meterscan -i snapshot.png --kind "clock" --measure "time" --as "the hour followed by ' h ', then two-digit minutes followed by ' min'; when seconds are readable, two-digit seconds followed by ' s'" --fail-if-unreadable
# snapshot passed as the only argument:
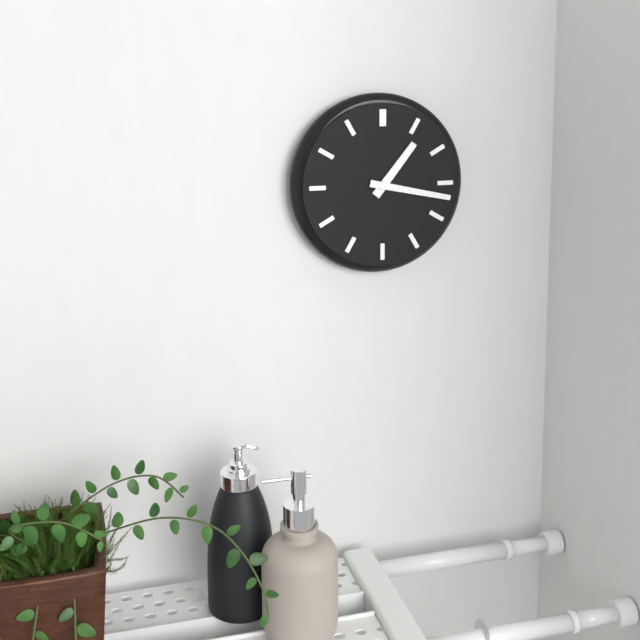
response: 1 h 17 min
